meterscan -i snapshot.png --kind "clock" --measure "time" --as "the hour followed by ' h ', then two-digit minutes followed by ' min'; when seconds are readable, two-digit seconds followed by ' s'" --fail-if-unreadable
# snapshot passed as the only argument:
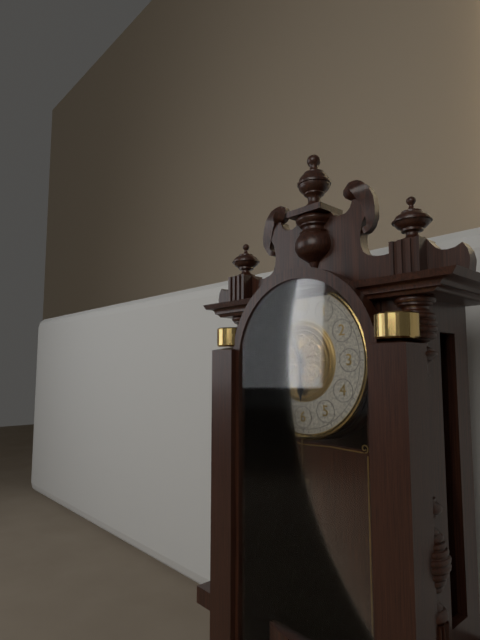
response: 5 h 57 min
